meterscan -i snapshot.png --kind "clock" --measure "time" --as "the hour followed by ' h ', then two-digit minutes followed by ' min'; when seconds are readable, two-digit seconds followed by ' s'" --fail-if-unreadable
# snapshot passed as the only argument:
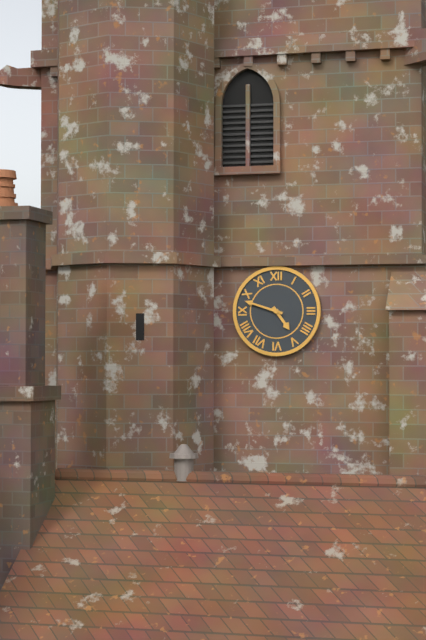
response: 4 h 48 min
